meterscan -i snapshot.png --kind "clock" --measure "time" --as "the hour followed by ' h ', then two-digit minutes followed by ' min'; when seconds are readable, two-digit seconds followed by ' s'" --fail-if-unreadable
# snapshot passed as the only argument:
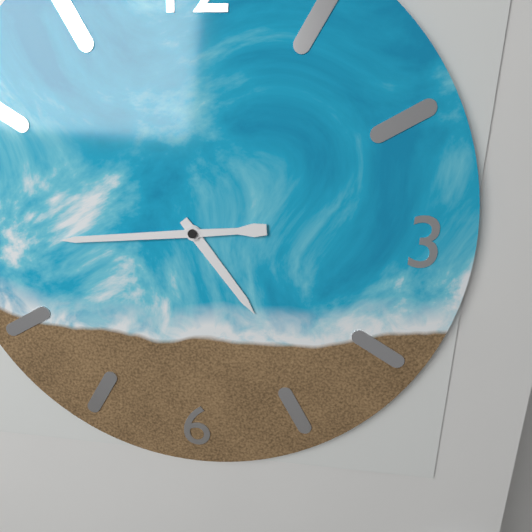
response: 4 h 44 min
